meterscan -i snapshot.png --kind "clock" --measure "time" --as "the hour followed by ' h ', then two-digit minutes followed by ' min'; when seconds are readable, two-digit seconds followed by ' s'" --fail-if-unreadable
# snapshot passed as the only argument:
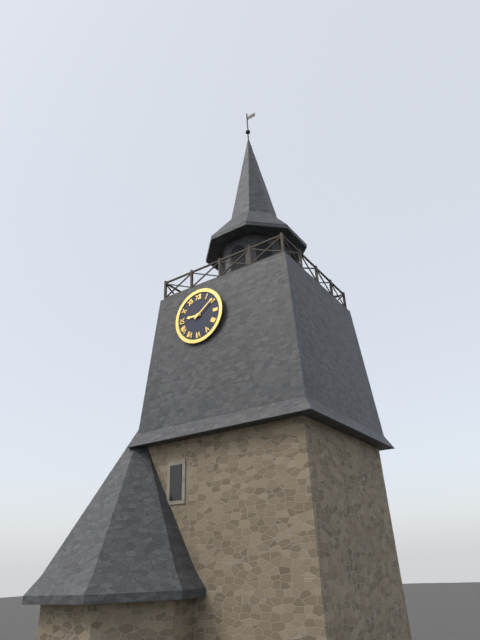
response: 9 h 09 min
